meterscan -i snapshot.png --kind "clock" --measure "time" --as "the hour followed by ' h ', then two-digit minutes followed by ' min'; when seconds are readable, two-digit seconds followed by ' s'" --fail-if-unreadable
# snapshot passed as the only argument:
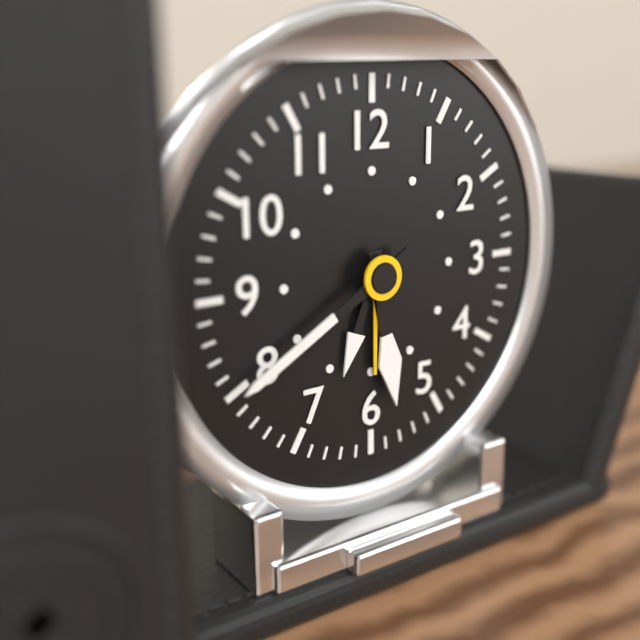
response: 5 h 40 min
